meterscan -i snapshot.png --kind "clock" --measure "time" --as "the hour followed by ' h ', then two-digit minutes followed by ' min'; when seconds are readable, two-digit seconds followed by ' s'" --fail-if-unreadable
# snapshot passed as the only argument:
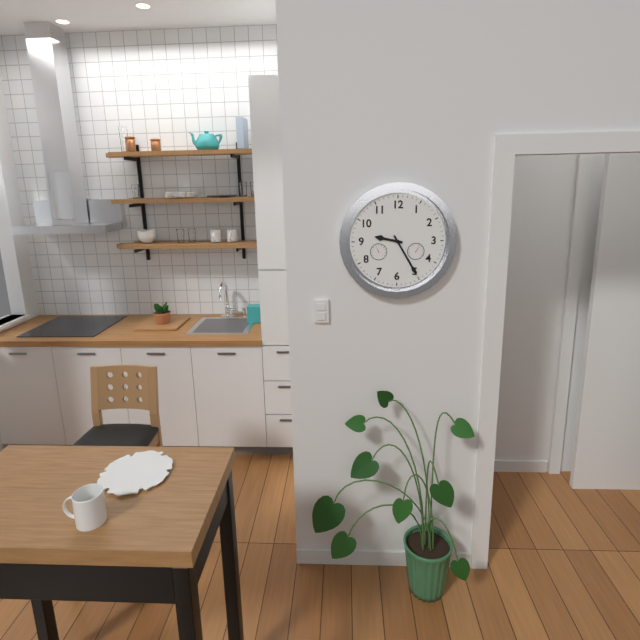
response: 9 h 25 min
